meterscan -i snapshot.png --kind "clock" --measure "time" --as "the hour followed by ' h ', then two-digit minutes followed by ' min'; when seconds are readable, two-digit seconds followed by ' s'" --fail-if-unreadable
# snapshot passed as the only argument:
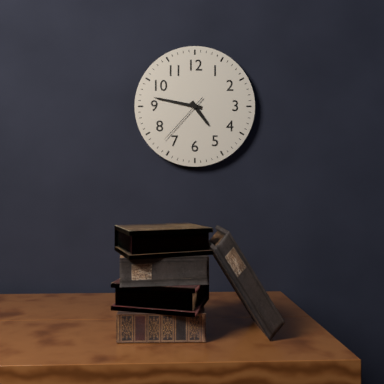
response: 4 h 47 min 37 s
